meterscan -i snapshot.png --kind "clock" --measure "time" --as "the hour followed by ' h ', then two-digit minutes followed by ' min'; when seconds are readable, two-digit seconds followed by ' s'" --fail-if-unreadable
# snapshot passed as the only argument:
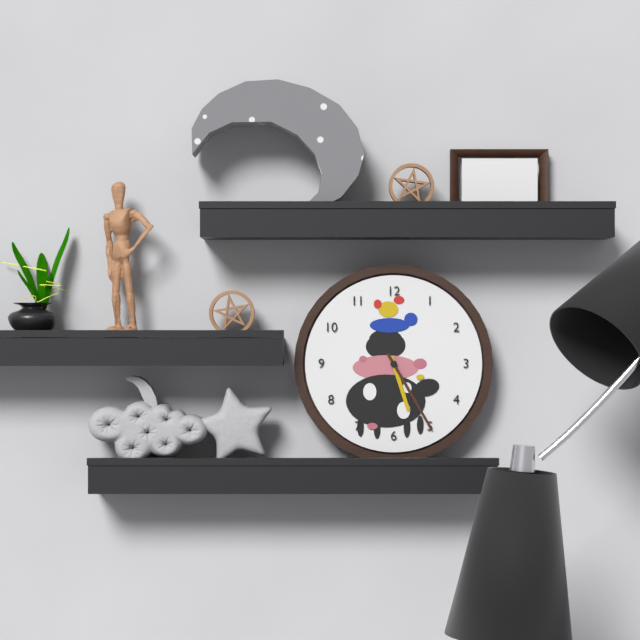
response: 5 h 25 min
